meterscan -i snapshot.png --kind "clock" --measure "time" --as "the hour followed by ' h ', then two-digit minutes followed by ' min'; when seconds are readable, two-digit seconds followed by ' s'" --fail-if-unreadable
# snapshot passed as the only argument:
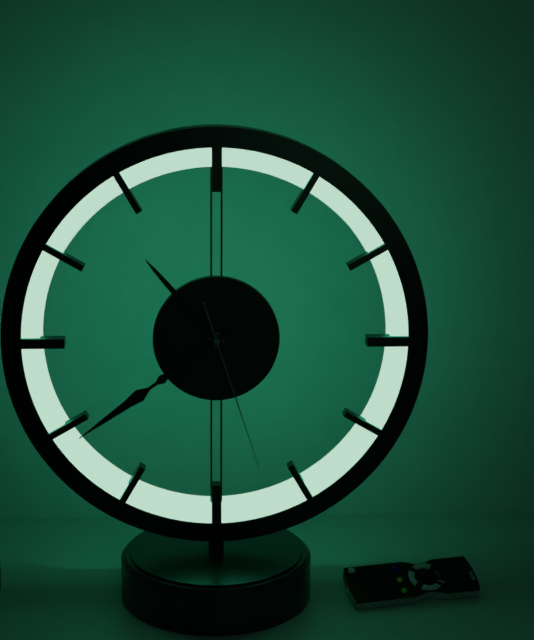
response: 10 h 39 min 27 s
